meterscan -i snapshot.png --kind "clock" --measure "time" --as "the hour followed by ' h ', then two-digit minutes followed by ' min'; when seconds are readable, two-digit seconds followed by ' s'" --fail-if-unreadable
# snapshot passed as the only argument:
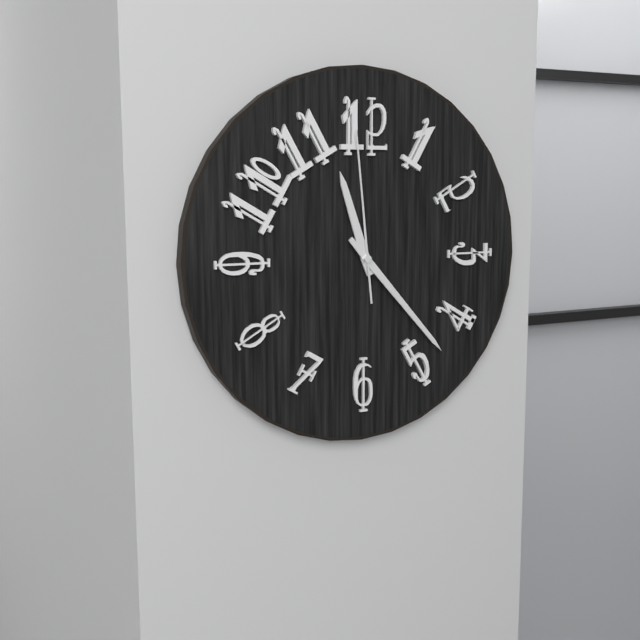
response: 11 h 23 min 59 s
